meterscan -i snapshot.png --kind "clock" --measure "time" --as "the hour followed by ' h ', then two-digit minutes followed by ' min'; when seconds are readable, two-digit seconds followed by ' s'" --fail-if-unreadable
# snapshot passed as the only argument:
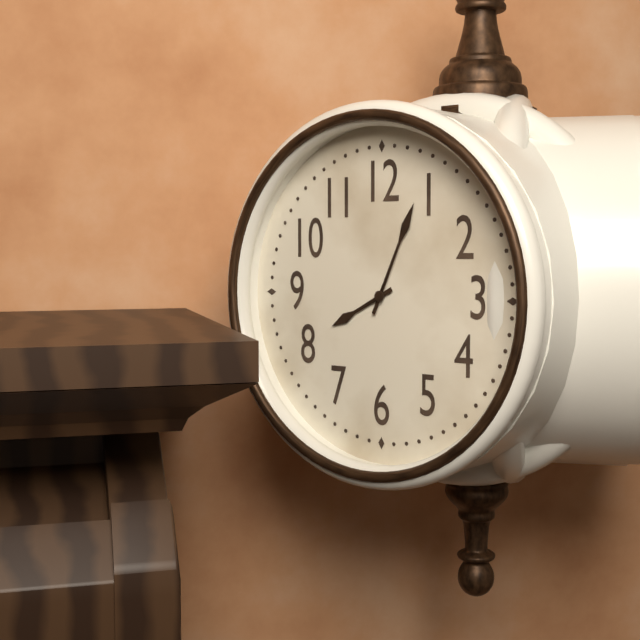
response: 8 h 04 min
